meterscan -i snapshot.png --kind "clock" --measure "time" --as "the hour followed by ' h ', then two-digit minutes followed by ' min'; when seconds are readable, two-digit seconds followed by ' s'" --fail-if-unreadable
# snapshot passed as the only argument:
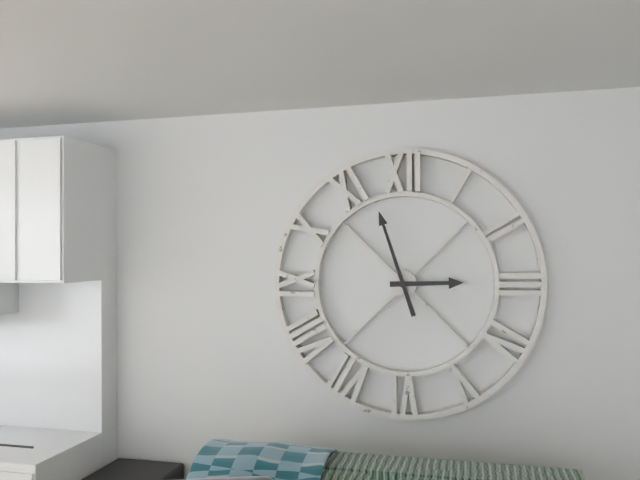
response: 2 h 57 min
